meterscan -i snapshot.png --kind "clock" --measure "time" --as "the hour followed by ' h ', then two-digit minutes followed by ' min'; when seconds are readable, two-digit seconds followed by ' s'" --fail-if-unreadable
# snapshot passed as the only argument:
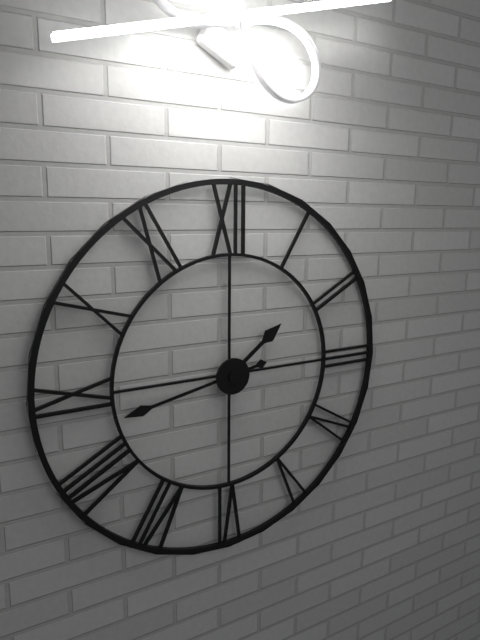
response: 1 h 43 min
